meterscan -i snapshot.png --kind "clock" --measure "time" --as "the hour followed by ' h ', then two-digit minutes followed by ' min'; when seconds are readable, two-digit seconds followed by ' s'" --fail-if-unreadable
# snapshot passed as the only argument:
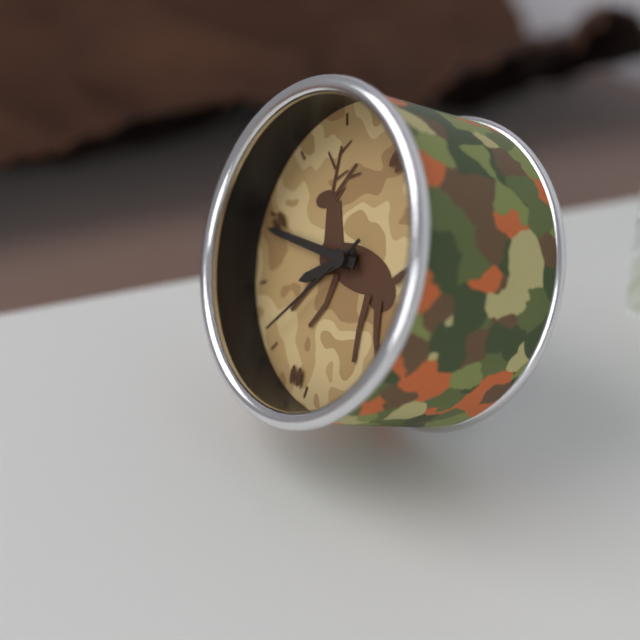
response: 7 h 44 min 36 s
